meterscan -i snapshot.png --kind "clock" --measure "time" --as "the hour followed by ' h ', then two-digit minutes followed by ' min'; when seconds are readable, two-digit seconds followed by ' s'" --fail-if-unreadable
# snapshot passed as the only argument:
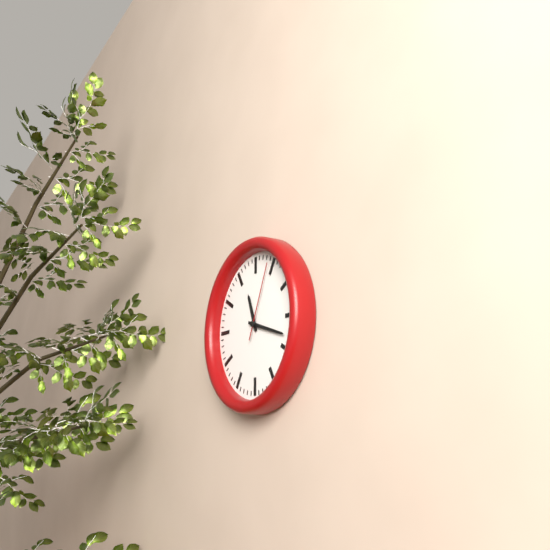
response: 11 h 18 min 04 s
